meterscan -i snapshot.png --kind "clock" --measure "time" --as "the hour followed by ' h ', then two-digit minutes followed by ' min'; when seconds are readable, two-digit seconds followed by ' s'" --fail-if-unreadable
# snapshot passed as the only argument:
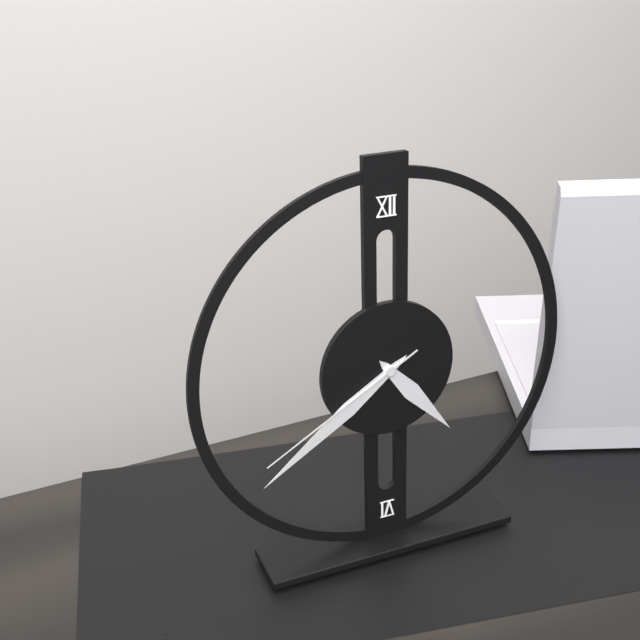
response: 4 h 39 min 40 s
